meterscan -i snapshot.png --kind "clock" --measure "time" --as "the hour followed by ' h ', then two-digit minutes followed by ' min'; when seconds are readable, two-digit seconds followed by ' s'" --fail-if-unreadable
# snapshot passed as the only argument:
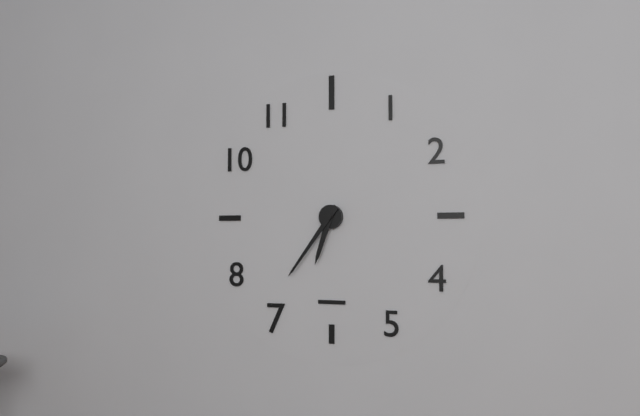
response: 6 h 36 min
